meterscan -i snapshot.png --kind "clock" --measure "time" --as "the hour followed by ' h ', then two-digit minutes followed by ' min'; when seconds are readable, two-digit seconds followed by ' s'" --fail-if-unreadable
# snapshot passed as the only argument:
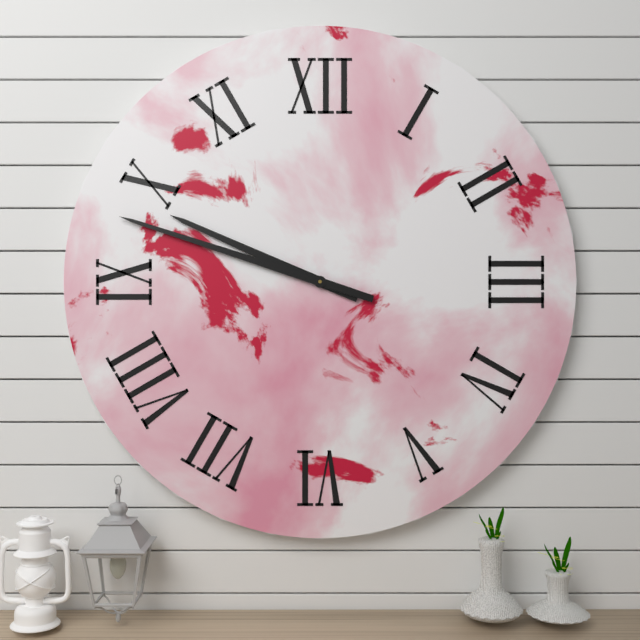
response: 9 h 48 min
